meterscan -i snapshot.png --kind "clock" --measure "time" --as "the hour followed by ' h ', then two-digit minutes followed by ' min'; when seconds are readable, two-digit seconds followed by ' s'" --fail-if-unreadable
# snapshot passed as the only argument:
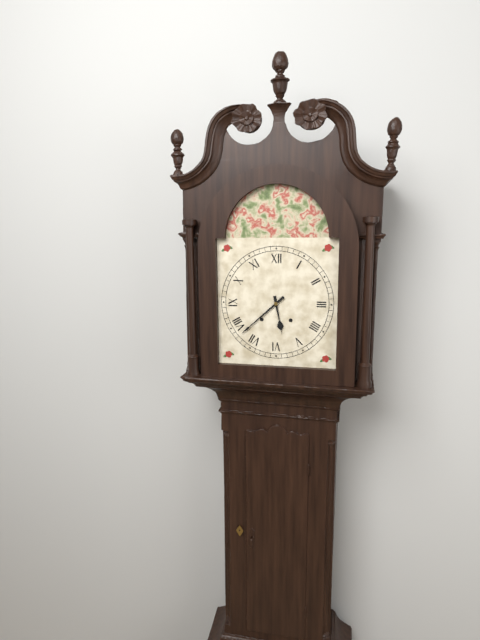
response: 5 h 38 min
